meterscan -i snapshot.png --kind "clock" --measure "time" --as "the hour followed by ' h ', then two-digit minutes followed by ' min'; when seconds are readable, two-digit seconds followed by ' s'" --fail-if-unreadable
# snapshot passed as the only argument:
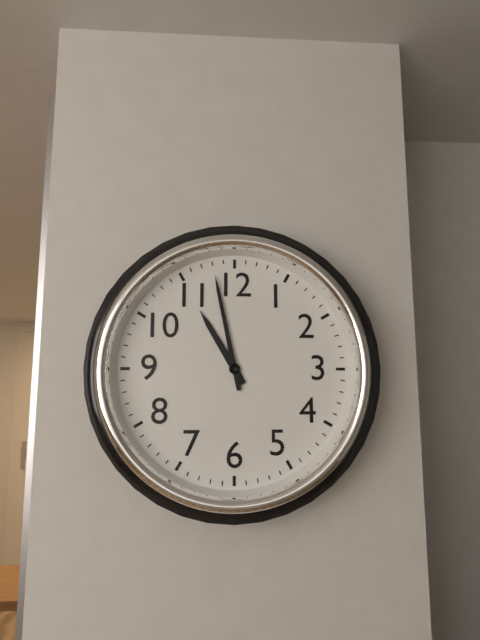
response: 10 h 58 min
